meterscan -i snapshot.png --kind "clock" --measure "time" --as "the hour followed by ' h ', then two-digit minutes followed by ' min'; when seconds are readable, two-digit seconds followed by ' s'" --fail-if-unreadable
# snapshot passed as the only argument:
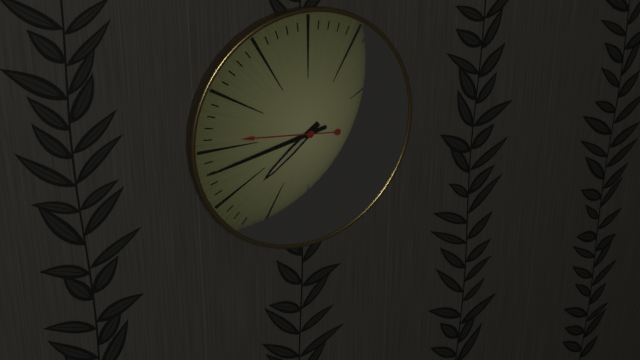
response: 7 h 43 min 46 s
